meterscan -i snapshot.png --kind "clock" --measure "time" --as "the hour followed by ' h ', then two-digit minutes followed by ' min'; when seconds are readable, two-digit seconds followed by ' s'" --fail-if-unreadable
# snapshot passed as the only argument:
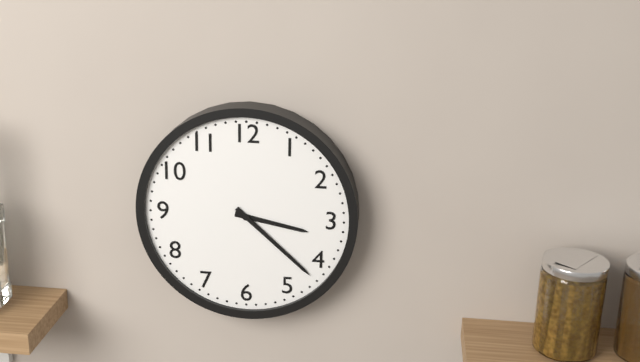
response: 3 h 22 min
